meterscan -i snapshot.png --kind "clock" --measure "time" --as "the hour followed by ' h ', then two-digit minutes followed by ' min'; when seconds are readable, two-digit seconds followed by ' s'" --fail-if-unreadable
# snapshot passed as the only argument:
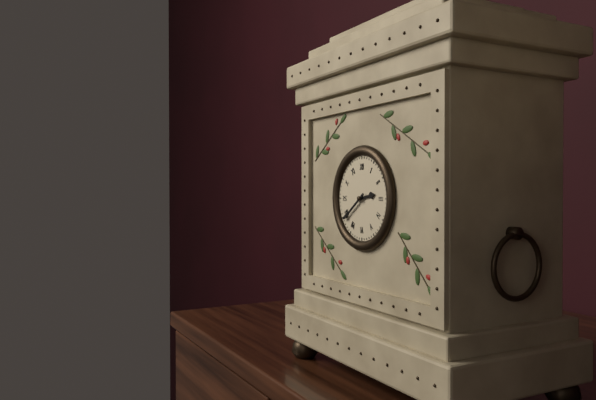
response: 2 h 39 min
